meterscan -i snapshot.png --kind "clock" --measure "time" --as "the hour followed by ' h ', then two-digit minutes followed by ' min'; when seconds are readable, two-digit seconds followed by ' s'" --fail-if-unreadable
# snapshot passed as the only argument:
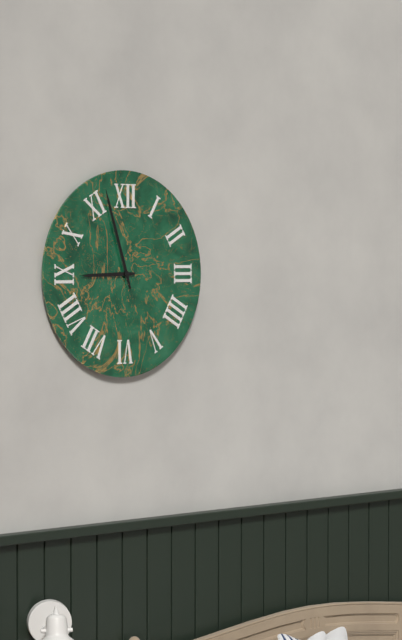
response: 8 h 57 min
